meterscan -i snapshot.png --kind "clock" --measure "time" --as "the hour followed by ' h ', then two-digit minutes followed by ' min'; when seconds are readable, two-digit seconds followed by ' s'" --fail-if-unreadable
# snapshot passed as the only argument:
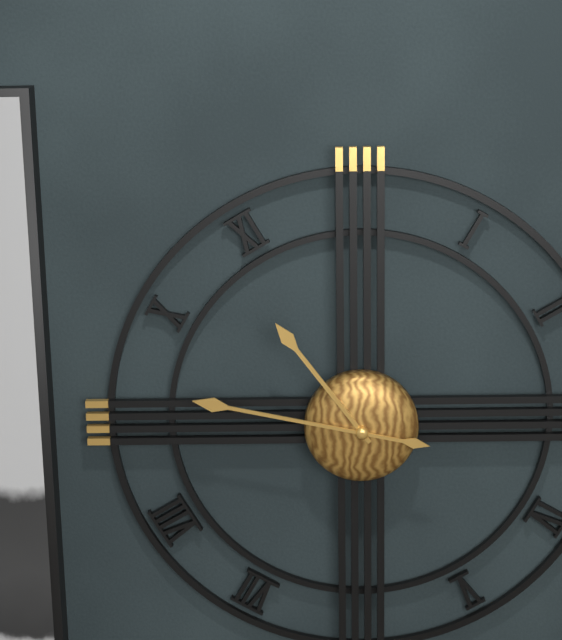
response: 10 h 47 min
